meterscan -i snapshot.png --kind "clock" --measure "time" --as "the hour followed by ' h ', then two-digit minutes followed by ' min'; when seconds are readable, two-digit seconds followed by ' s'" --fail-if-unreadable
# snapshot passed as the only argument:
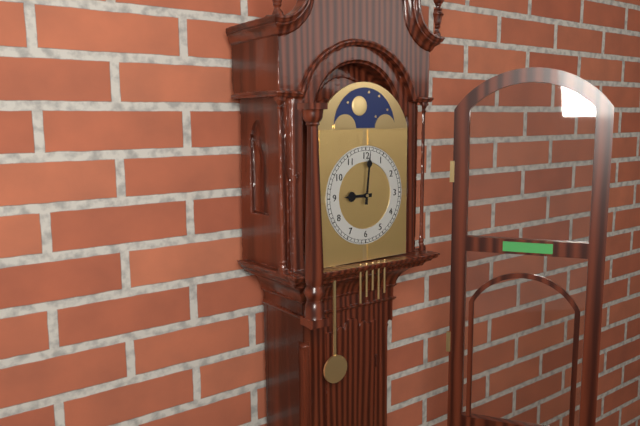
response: 9 h 01 min
